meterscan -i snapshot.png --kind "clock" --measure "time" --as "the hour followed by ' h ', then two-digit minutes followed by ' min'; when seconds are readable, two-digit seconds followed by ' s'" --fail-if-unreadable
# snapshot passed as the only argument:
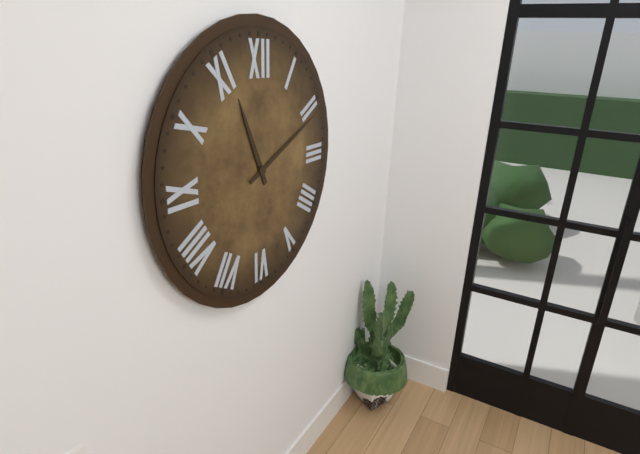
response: 11 h 11 min
